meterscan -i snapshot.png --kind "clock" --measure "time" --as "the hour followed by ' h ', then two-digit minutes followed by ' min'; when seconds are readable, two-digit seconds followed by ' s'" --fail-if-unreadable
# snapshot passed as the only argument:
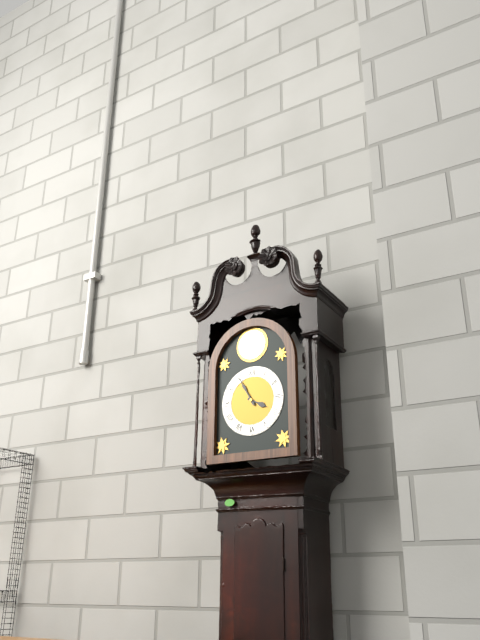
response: 3 h 55 min
